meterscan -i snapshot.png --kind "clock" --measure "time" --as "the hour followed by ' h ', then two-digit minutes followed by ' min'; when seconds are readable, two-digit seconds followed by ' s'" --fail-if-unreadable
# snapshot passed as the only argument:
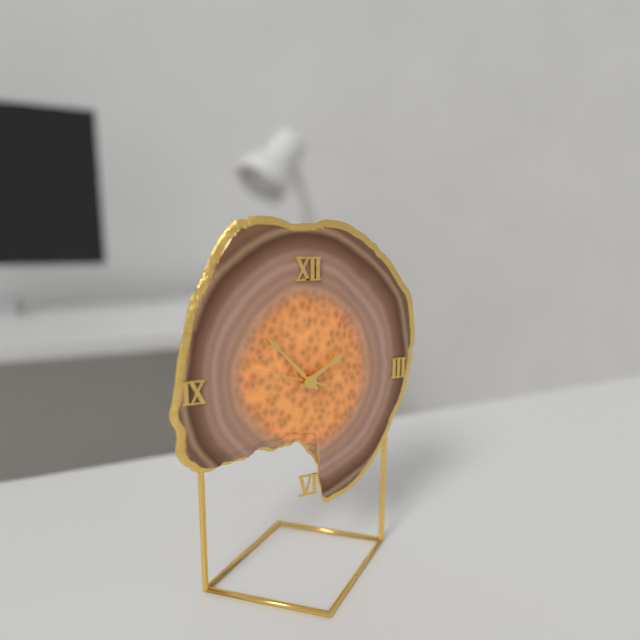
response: 1 h 53 min 48 s
